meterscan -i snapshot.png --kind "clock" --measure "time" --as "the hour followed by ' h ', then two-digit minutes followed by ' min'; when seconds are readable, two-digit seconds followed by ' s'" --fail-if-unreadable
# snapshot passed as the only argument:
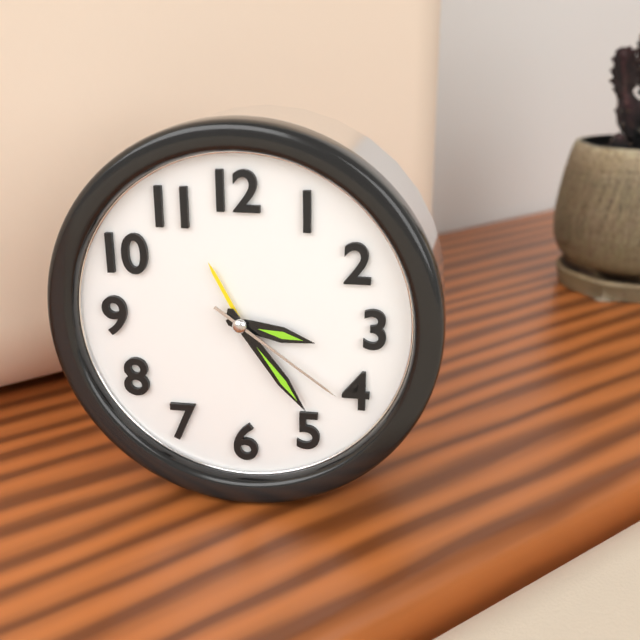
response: 3 h 24 min 21 s
